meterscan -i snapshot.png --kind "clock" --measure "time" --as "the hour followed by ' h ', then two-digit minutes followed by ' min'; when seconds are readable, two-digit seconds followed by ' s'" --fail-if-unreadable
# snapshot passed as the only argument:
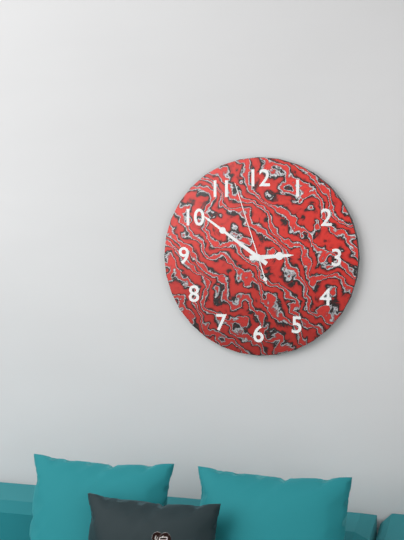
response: 2 h 51 min 57 s
